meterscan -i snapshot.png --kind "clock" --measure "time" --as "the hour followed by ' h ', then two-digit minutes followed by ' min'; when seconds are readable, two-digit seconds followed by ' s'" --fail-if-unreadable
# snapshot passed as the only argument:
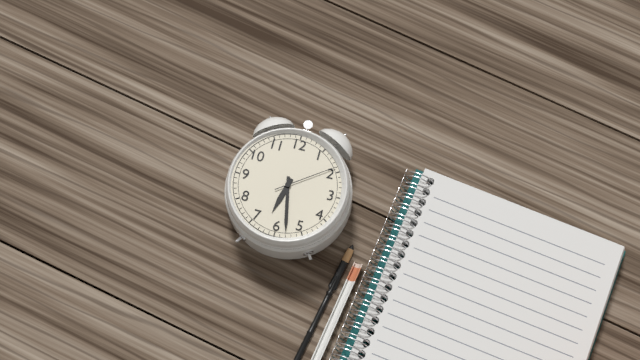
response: 6 h 28 min 09 s
